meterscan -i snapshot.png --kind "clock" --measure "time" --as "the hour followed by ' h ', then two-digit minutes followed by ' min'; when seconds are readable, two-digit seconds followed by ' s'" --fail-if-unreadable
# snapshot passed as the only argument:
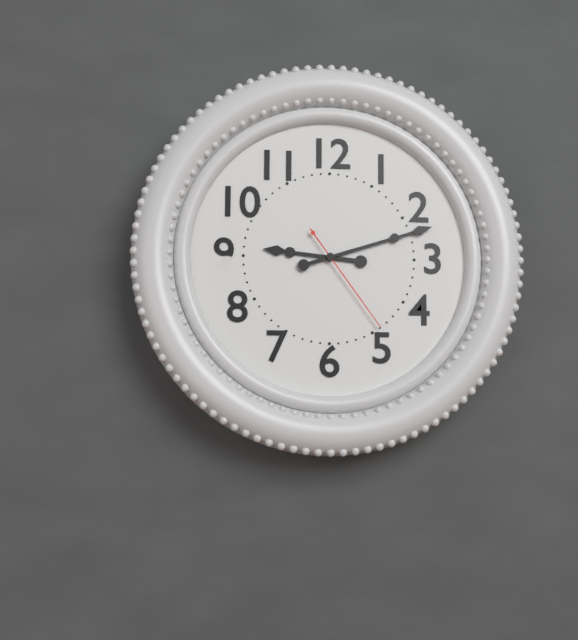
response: 9 h 12 min 24 s
